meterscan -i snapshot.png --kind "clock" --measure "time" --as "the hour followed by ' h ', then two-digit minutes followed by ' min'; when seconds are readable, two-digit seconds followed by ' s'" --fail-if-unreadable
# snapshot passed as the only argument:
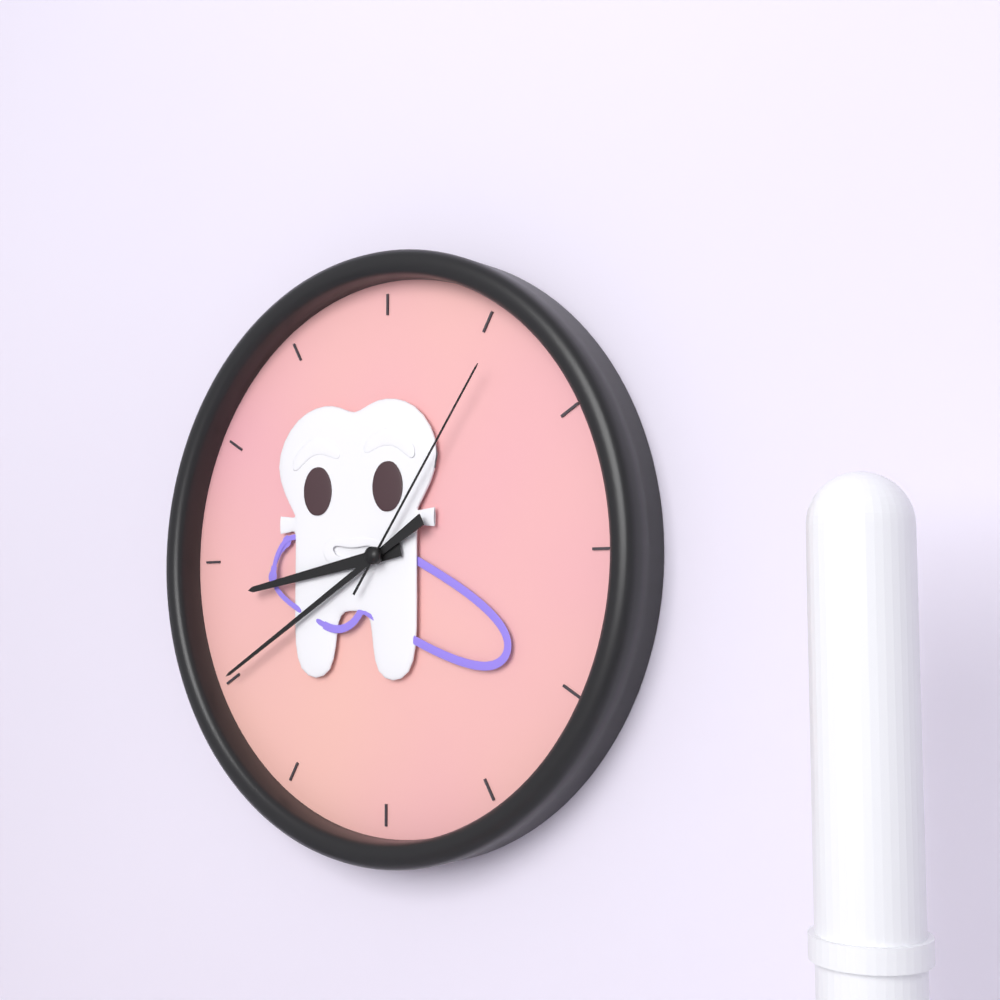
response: 8 h 40 min 06 s
